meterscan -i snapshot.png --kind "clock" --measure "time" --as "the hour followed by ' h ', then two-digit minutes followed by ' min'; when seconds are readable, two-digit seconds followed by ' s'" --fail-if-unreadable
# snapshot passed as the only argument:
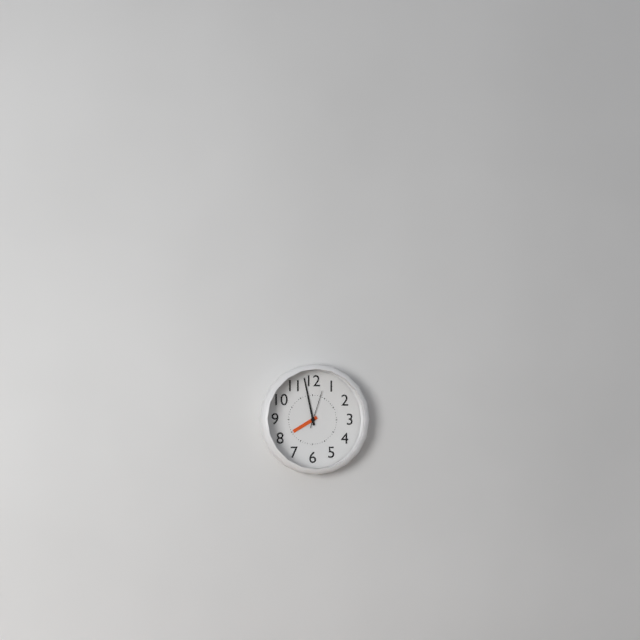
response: 7 h 58 min
